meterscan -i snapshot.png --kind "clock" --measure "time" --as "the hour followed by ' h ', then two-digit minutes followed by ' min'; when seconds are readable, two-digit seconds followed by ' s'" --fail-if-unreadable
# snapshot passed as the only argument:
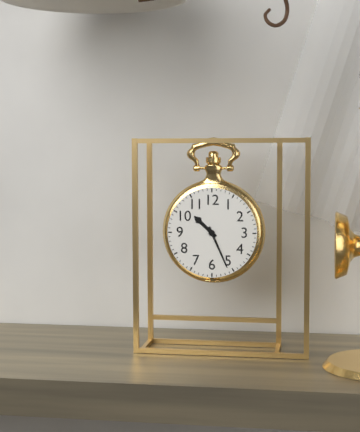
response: 10 h 26 min
